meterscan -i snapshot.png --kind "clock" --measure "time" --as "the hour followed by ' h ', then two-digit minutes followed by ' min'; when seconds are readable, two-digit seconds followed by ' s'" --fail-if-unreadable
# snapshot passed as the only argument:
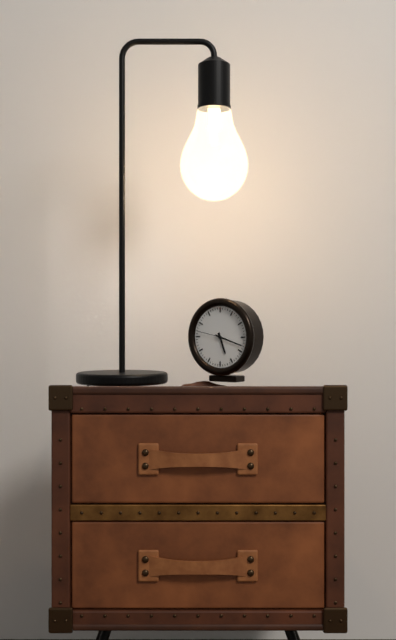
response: 5 h 18 min
